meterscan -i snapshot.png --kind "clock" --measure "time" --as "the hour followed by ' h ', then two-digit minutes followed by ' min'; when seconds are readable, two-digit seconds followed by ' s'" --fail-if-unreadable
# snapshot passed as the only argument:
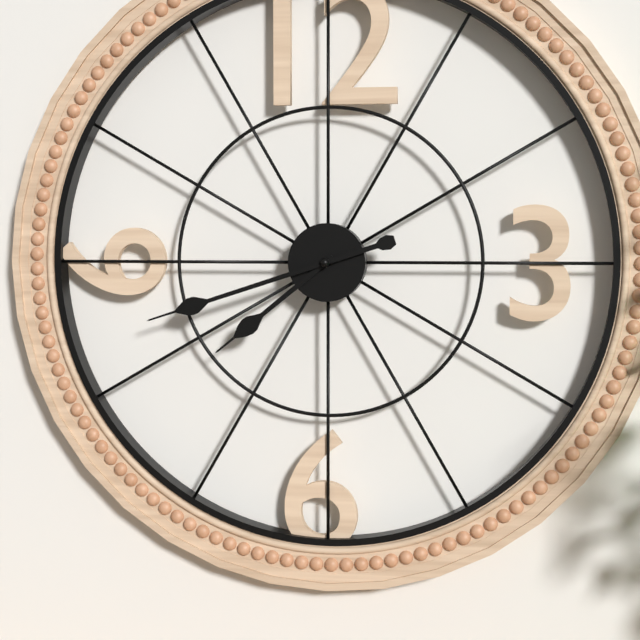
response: 7 h 42 min
